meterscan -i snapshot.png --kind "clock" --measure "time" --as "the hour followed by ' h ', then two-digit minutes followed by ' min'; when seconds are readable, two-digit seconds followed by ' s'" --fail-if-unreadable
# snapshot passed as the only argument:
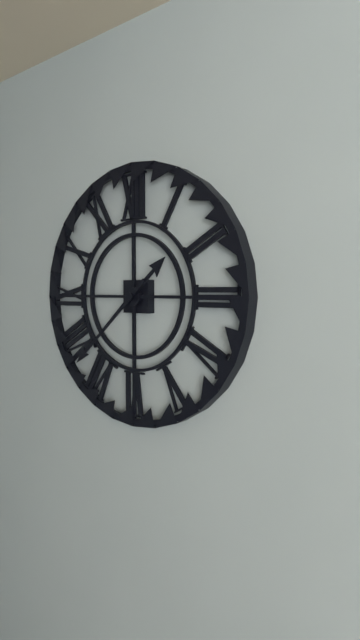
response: 1 h 38 min
